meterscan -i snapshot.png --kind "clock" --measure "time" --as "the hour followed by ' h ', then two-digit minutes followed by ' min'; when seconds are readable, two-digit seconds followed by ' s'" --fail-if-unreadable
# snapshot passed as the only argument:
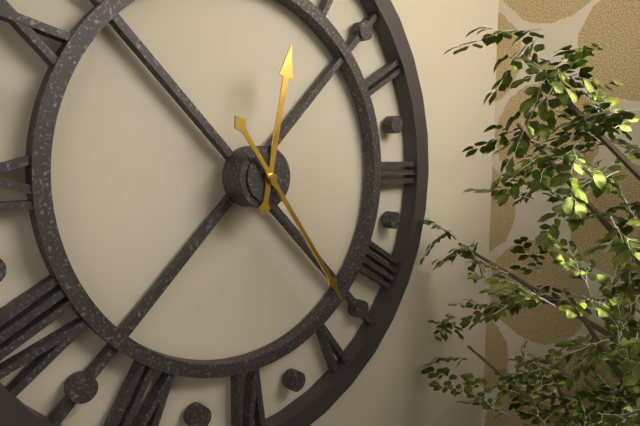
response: 12 h 24 min
